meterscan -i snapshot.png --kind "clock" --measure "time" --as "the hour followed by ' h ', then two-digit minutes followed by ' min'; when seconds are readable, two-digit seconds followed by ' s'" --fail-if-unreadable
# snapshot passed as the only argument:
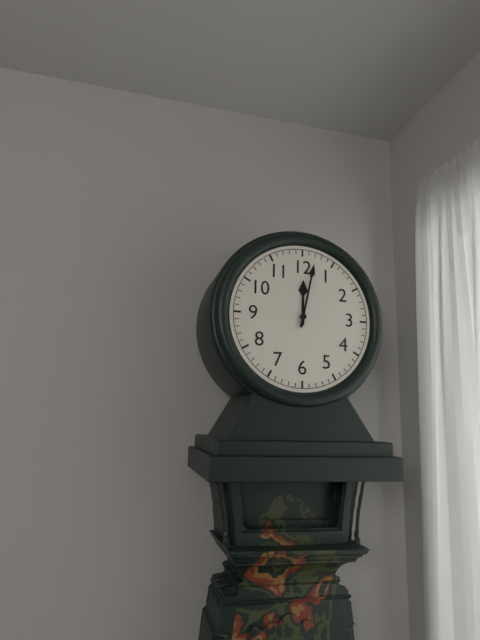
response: 12 h 02 min
